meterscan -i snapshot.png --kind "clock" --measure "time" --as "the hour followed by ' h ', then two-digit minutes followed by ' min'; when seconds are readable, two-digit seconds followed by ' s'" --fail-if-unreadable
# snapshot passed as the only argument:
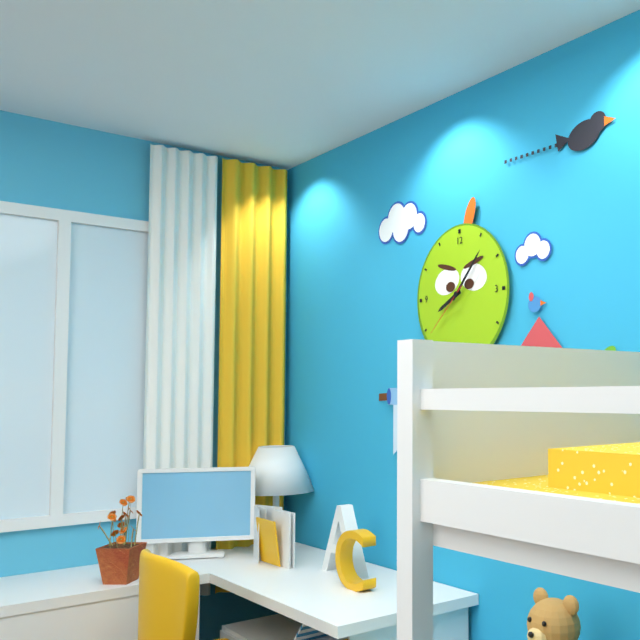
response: 8 h 07 min 38 s
